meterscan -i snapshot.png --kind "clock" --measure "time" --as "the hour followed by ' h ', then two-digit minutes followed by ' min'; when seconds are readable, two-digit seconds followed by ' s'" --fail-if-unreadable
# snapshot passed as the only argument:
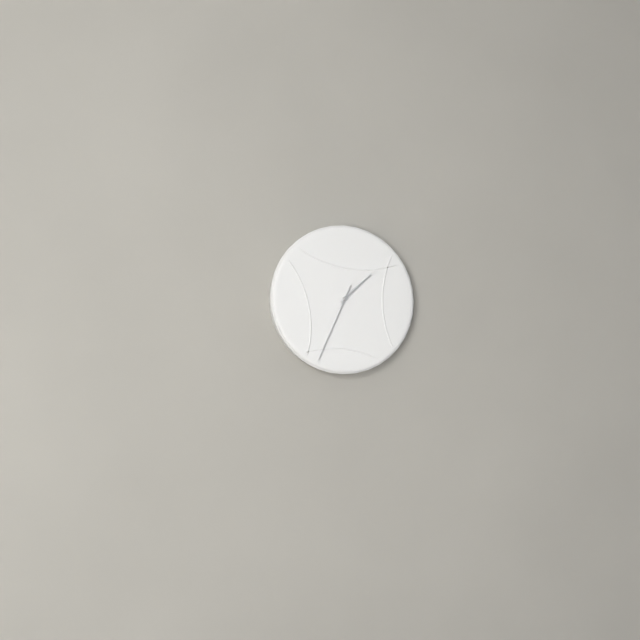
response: 1 h 34 min
